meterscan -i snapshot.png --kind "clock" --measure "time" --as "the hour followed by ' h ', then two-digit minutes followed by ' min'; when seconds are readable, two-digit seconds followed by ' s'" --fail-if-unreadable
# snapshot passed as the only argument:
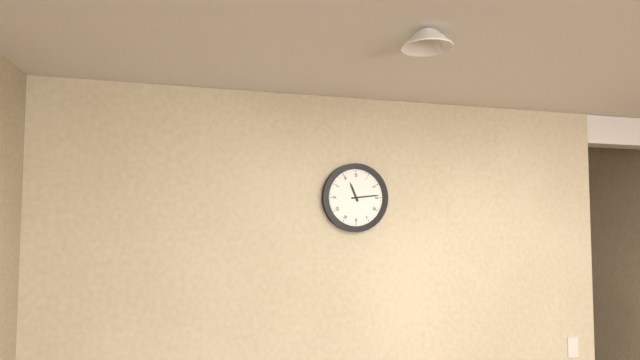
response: 11 h 14 min
